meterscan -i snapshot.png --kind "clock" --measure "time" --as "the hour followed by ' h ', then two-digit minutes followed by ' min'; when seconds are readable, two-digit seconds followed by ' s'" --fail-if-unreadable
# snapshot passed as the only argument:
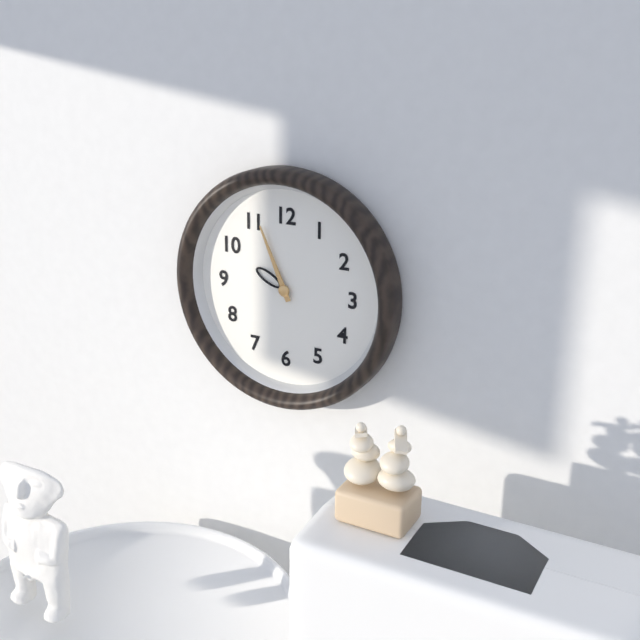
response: 9 h 56 min
